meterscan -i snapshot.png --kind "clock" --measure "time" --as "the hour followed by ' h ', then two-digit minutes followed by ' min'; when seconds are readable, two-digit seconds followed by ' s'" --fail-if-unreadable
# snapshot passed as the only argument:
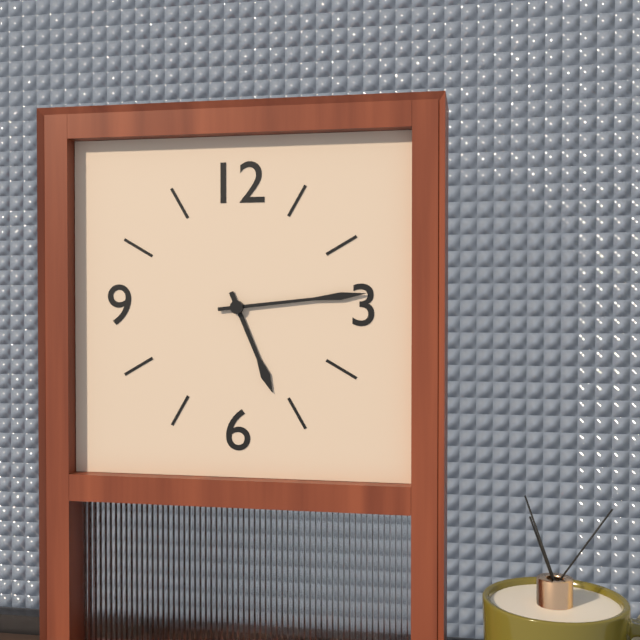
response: 5 h 14 min
